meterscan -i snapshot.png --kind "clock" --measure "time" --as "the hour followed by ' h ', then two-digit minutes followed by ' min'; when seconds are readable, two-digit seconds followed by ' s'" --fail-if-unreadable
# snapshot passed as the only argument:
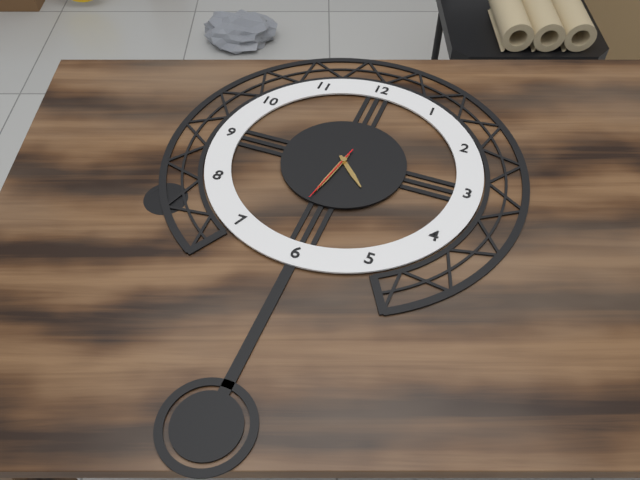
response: 4 h 32 min 32 s
